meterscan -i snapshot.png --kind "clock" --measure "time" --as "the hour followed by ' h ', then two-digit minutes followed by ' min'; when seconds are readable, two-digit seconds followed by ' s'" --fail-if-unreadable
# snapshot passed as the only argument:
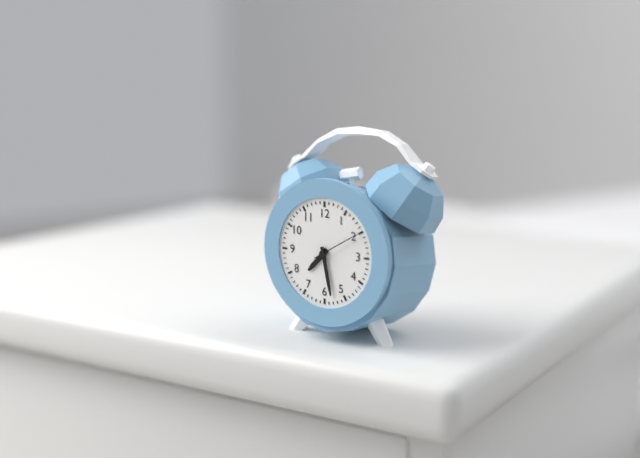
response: 7 h 28 min
